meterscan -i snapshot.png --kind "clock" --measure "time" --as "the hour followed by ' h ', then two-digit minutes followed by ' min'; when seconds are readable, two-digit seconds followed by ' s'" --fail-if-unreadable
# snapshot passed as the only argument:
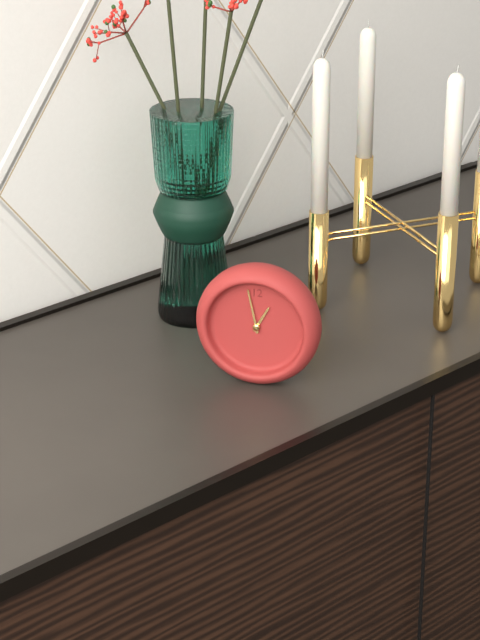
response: 12 h 58 min
